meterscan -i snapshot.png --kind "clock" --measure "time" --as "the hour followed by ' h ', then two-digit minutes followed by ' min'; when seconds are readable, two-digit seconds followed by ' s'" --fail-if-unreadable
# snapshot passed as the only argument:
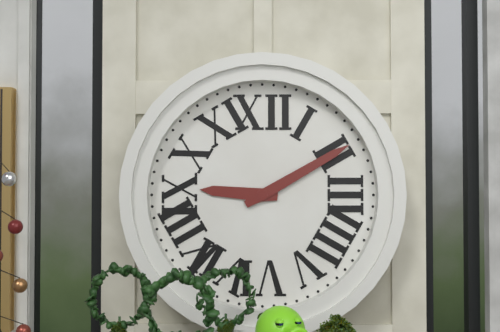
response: 9 h 10 min
